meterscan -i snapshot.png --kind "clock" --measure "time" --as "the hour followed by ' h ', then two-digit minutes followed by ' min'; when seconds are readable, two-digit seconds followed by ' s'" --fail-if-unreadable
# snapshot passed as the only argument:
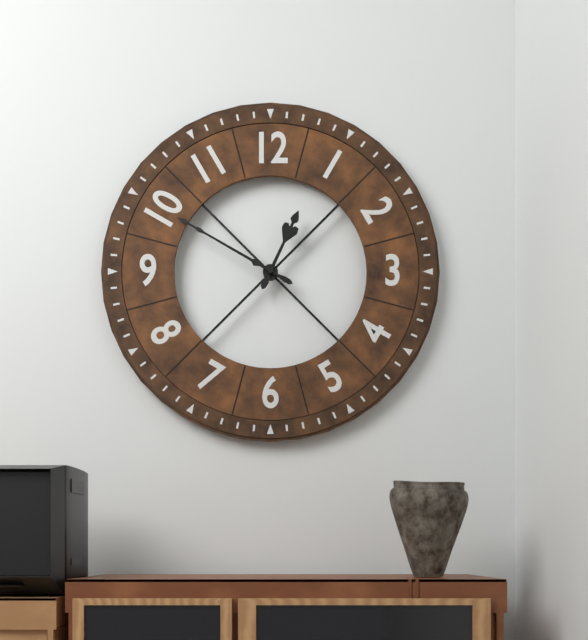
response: 12 h 50 min
